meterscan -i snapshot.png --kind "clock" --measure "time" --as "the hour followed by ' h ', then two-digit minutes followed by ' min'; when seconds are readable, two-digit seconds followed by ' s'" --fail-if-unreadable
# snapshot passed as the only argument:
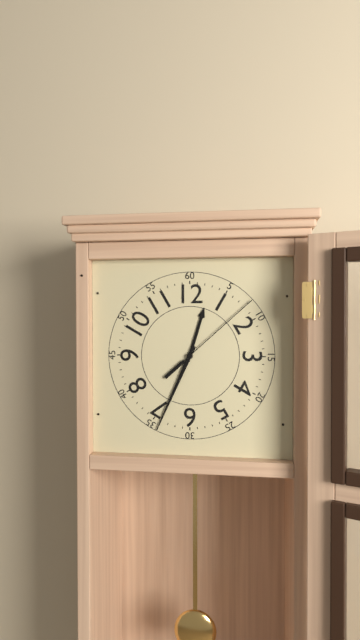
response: 12 h 34 min 08 s
